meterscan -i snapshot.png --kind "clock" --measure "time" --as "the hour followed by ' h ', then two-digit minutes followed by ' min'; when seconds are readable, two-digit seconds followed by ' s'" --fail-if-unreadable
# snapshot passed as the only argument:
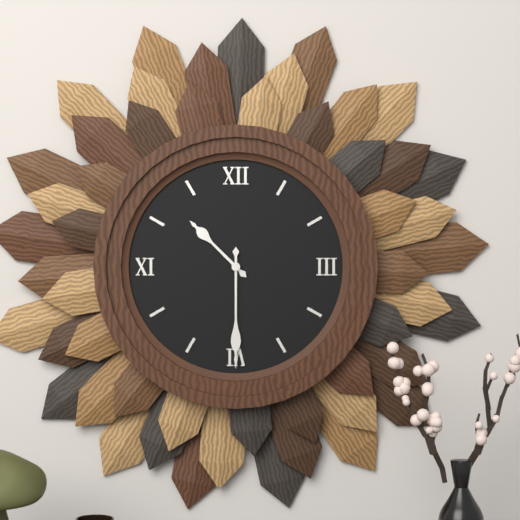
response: 10 h 30 min
